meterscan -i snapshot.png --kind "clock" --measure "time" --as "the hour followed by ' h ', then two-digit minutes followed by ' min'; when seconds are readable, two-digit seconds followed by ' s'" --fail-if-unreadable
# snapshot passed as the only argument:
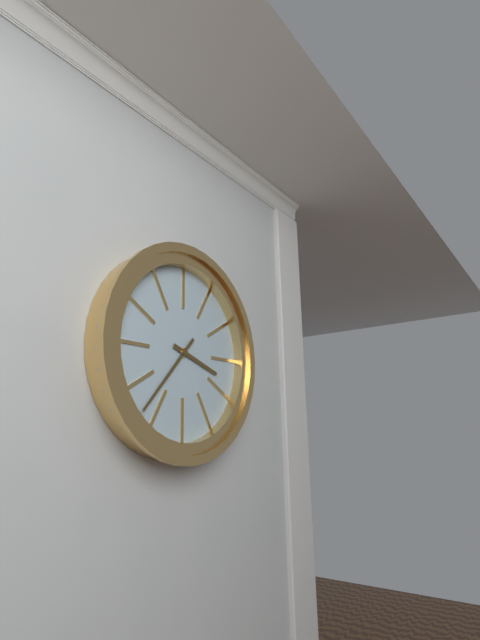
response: 3 h 37 min
